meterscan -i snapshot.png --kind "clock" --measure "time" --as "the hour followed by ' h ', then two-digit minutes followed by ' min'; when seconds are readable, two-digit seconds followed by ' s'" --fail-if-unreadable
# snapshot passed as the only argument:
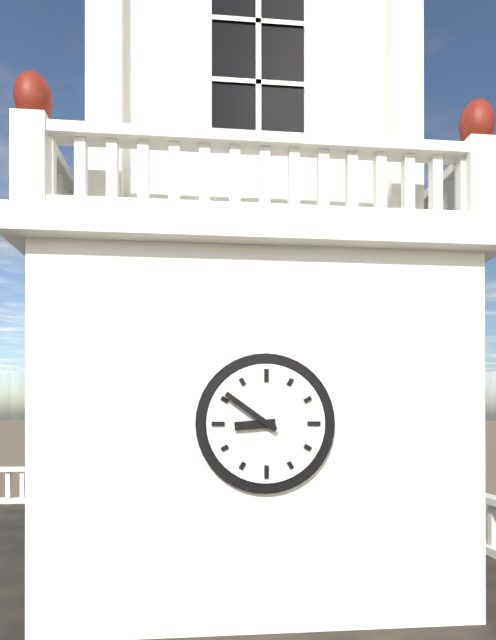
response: 8 h 51 min
